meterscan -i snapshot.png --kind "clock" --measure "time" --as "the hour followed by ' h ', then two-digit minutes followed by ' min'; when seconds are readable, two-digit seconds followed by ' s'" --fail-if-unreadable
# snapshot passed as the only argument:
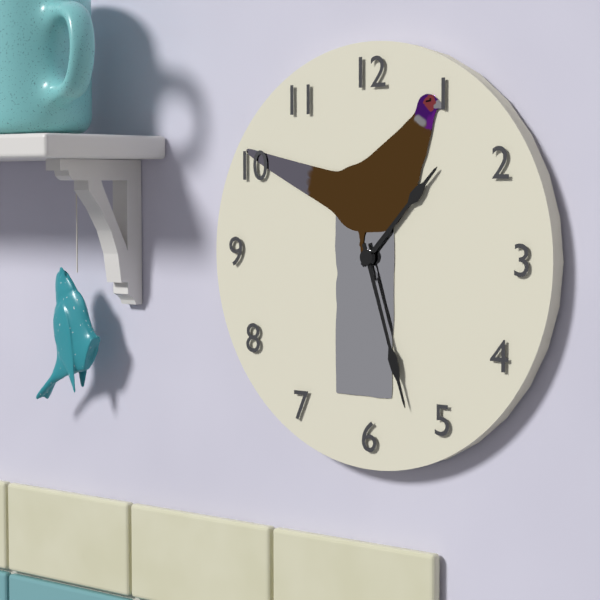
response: 1 h 27 min
